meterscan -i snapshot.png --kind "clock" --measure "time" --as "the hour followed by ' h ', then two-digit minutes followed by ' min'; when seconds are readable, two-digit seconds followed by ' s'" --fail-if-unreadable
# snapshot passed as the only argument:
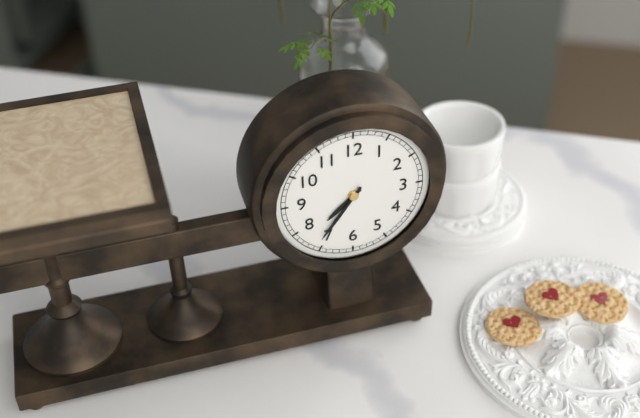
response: 7 h 36 min
